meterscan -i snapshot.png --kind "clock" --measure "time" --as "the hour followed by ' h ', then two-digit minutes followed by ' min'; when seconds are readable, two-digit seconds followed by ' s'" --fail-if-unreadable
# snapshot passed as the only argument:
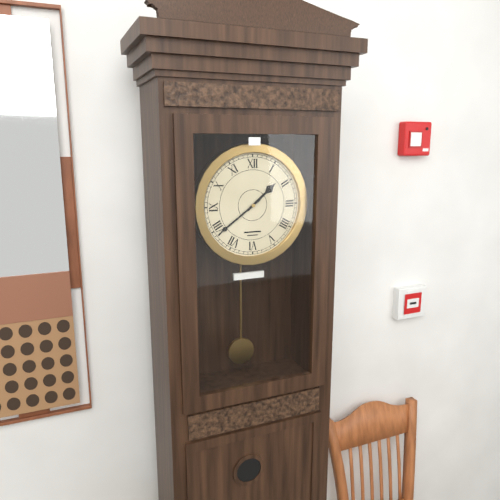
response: 1 h 39 min
